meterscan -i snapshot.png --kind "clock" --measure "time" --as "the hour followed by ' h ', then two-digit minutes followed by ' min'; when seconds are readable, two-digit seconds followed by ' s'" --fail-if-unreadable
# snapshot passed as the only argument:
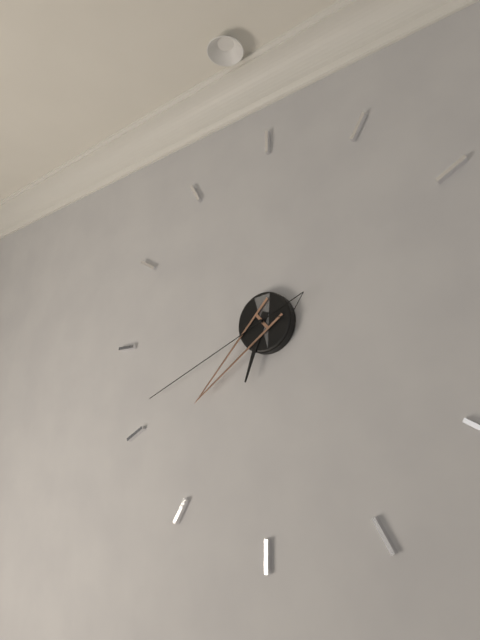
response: 6 h 38 min 41 s
